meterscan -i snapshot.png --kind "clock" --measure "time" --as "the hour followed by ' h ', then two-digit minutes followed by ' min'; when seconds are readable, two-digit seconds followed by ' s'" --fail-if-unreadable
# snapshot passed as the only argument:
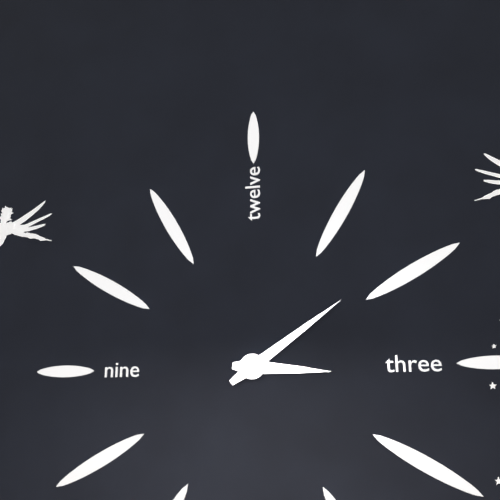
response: 3 h 09 min
